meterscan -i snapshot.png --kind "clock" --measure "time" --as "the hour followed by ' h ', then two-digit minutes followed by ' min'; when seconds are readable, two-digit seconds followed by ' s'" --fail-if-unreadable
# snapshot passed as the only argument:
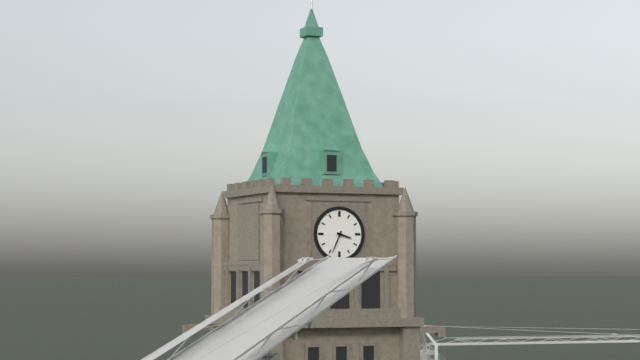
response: 3 h 34 min
